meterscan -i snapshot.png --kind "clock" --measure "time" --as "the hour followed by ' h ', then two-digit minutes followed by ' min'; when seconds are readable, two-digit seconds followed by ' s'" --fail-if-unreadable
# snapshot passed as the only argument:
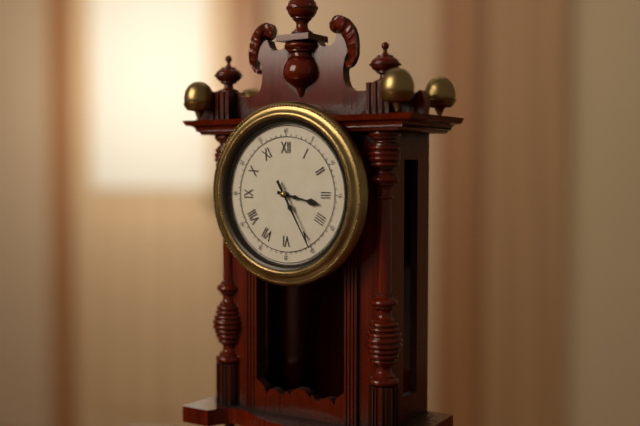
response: 3 h 25 min
